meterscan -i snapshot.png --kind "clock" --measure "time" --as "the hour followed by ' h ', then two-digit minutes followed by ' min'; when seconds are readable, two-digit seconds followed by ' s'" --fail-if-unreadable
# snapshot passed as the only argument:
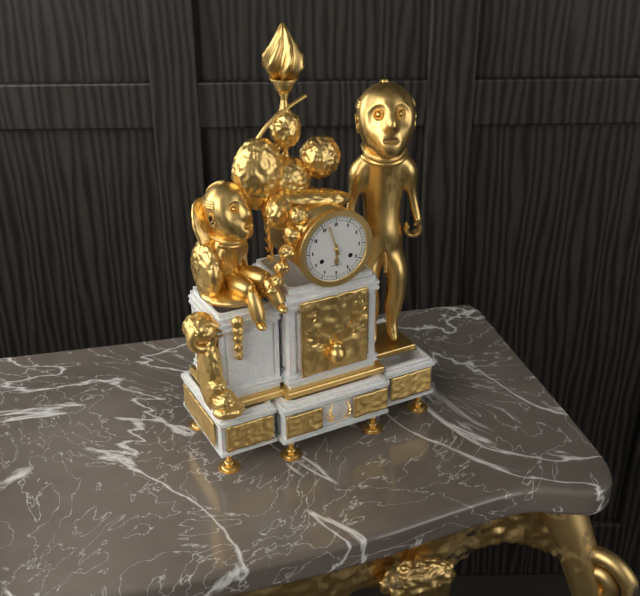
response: 5 h 57 min
